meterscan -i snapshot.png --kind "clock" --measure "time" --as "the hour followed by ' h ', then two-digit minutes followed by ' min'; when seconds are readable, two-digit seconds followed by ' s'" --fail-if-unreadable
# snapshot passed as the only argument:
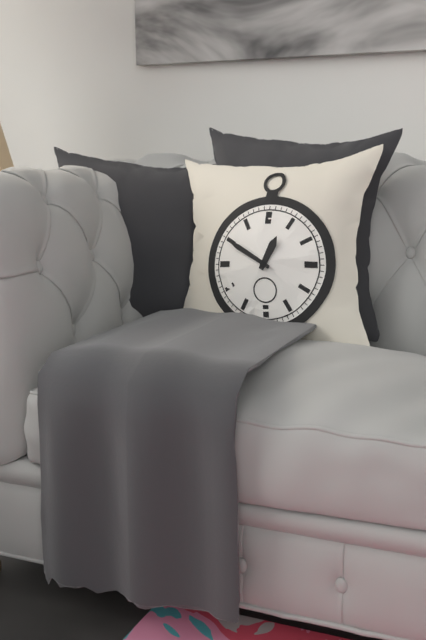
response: 12 h 50 min
